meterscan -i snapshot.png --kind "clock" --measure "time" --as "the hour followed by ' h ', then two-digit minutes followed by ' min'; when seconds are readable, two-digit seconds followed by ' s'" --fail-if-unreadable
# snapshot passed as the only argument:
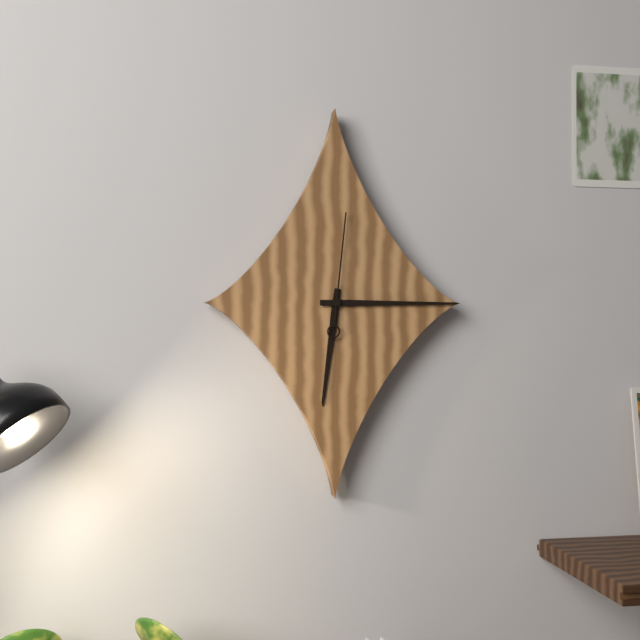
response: 6 h 15 min 01 s
